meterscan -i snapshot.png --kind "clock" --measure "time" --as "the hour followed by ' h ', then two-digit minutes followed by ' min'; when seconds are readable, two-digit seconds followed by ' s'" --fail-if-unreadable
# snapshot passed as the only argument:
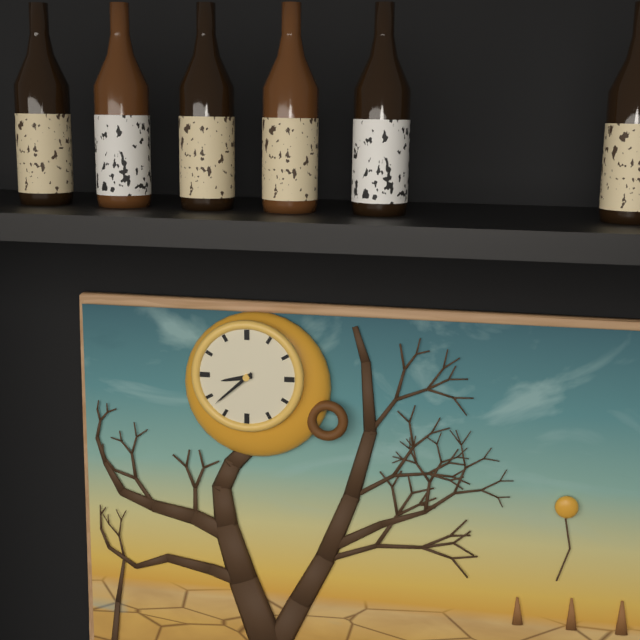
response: 8 h 38 min
